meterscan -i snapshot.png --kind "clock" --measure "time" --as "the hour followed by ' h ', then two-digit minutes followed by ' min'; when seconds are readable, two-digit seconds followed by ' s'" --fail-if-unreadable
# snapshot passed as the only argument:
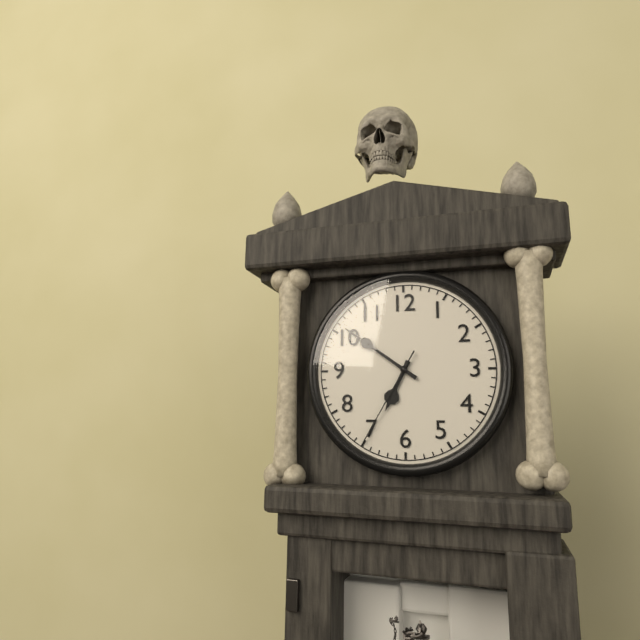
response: 6 h 51 min 35 s
